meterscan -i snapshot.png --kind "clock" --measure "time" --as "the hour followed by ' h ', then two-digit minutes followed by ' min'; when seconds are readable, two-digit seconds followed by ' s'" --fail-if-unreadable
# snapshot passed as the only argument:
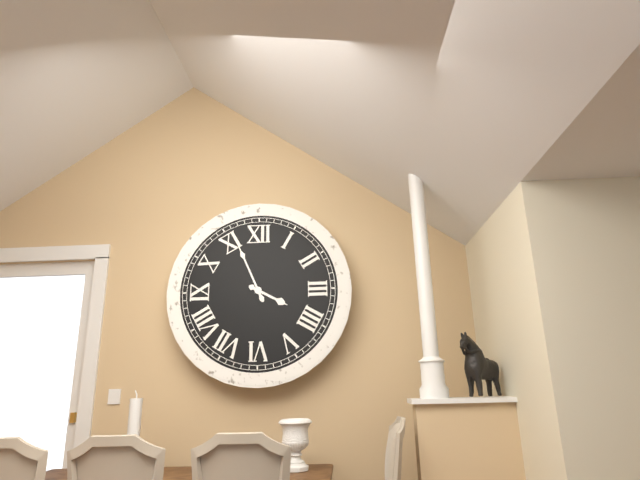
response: 3 h 56 min
